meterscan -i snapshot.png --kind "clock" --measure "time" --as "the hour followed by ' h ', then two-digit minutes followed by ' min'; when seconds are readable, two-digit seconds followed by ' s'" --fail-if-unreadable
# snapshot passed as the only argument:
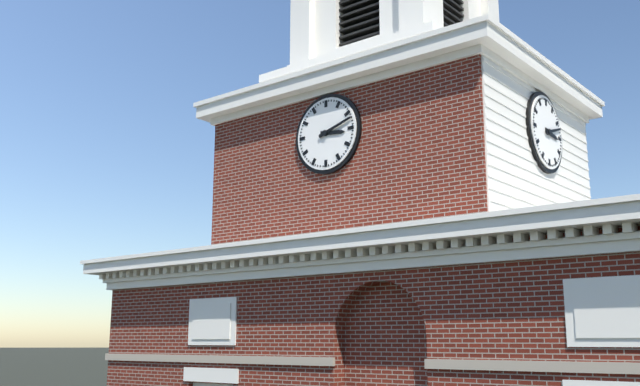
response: 3 h 12 min
